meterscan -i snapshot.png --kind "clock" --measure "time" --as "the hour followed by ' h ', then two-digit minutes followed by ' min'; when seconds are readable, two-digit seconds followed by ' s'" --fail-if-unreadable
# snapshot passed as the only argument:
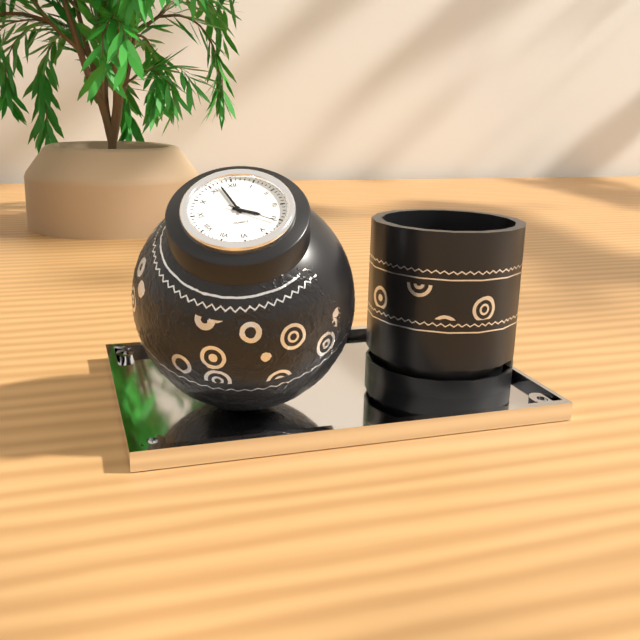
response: 3 h 57 min 21 s
